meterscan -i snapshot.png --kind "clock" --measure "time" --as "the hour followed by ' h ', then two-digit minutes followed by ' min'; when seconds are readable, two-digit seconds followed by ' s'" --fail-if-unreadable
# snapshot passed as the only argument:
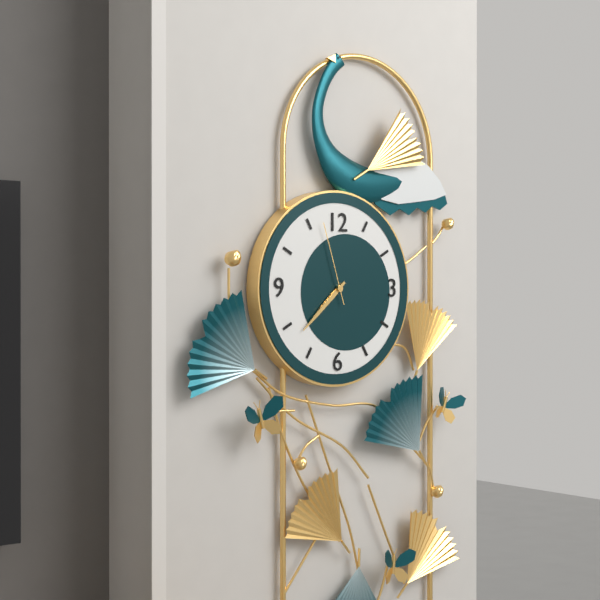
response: 7 h 38 min 57 s
